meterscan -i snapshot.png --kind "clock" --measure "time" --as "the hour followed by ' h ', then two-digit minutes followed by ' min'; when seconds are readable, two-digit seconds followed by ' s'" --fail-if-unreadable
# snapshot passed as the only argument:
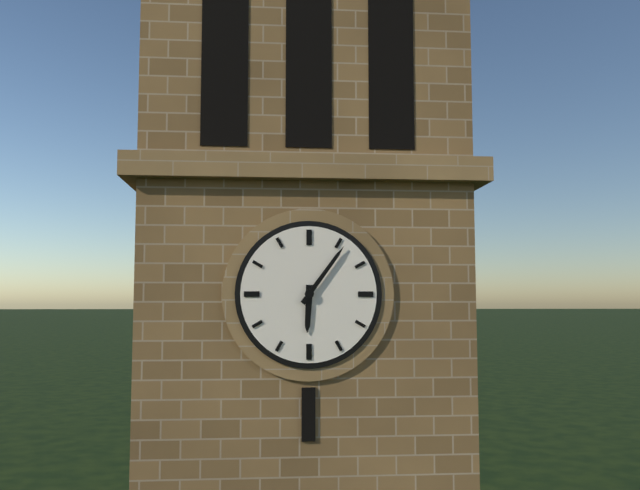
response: 6 h 06 min
